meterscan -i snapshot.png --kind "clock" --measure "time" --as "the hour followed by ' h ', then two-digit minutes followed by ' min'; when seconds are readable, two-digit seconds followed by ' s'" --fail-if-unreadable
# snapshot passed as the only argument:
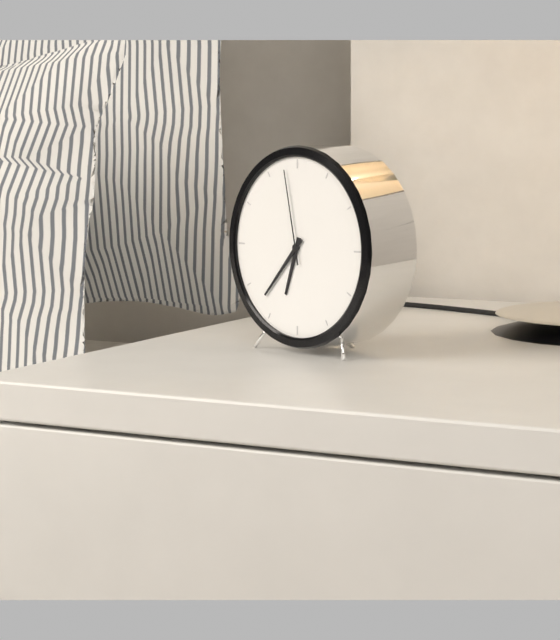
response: 6 h 37 min 58 s
